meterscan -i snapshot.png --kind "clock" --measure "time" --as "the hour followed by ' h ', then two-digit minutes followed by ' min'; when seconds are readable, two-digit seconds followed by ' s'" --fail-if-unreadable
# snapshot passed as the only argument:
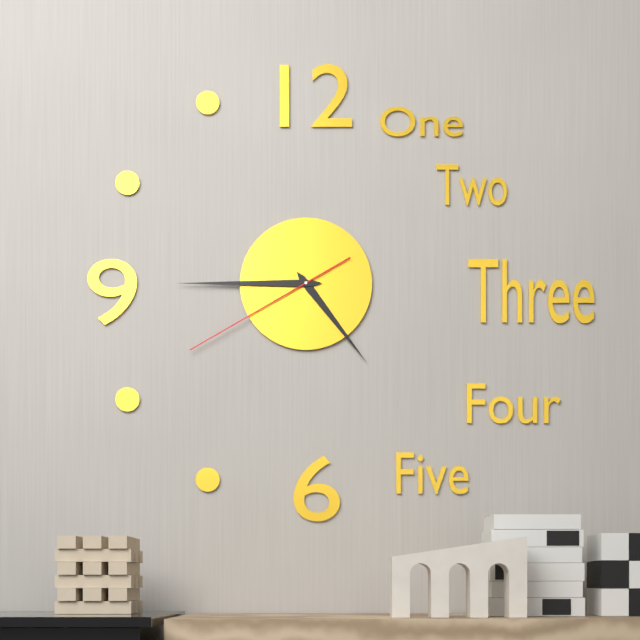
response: 4 h 45 min 40 s
